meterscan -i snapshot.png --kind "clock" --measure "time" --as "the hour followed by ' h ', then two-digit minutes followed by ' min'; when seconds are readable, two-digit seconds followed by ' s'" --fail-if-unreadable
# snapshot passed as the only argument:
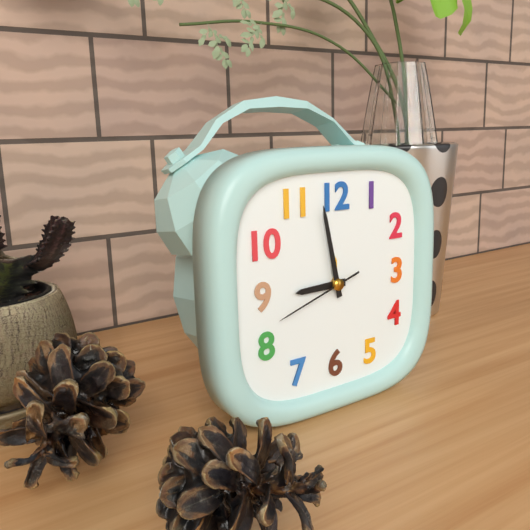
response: 8 h 58 min 42 s
